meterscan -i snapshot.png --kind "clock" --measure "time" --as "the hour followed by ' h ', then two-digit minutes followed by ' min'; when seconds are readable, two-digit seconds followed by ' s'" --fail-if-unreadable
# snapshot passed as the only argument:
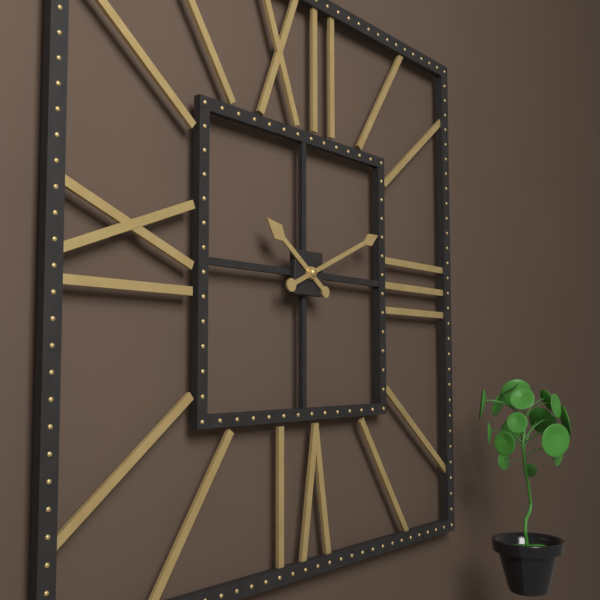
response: 10 h 11 min
